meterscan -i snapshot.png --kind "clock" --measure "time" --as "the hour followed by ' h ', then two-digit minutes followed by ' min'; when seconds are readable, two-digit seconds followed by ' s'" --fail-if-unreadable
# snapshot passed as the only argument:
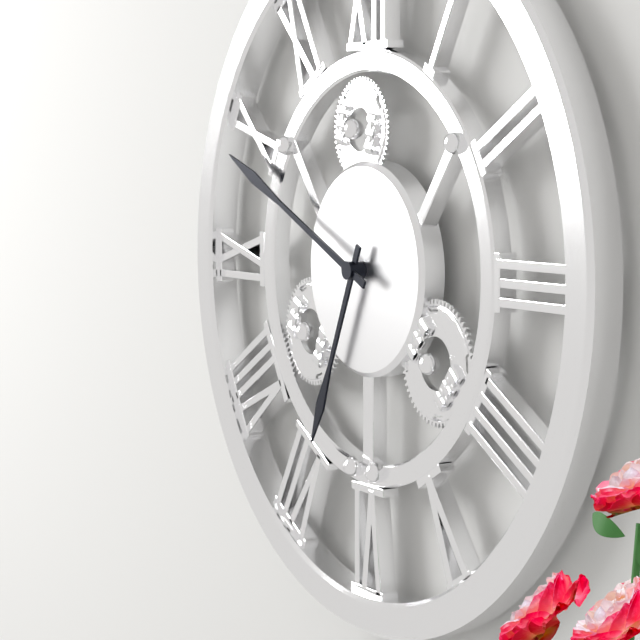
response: 6 h 49 min
